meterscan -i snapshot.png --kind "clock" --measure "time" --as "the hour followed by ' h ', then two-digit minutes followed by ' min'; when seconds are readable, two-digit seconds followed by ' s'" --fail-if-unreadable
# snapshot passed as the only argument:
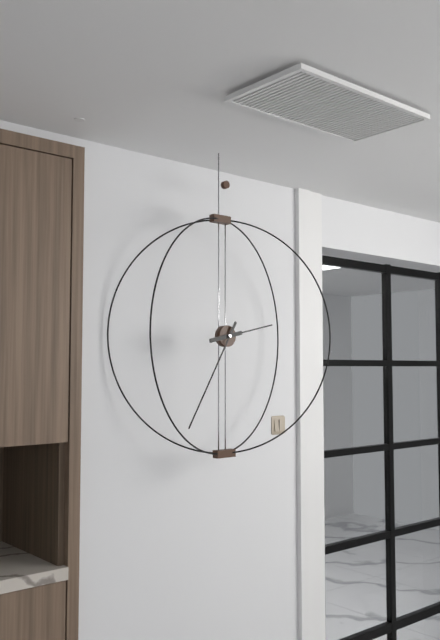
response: 2 h 35 min
